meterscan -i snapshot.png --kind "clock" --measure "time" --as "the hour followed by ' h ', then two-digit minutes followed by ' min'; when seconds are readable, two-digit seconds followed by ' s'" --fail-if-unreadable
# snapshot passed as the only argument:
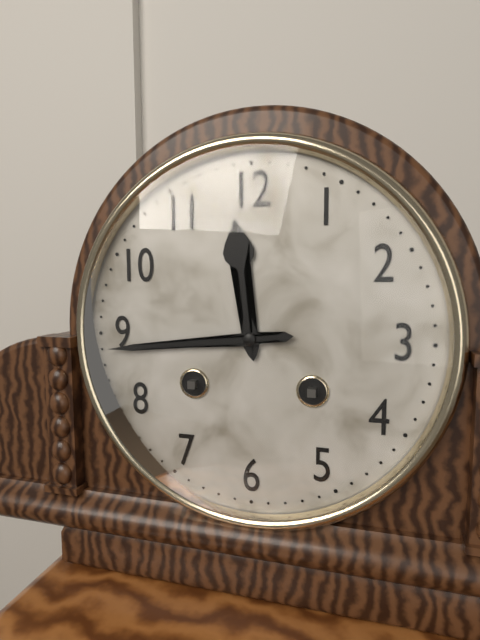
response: 11 h 44 min
